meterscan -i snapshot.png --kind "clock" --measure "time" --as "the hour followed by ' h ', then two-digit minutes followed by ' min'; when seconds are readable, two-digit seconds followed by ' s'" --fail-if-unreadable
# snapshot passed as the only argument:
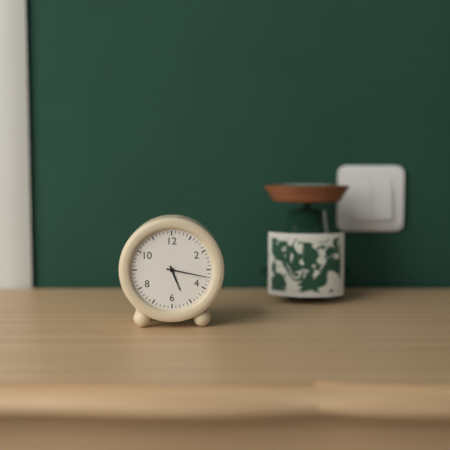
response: 5 h 17 min
